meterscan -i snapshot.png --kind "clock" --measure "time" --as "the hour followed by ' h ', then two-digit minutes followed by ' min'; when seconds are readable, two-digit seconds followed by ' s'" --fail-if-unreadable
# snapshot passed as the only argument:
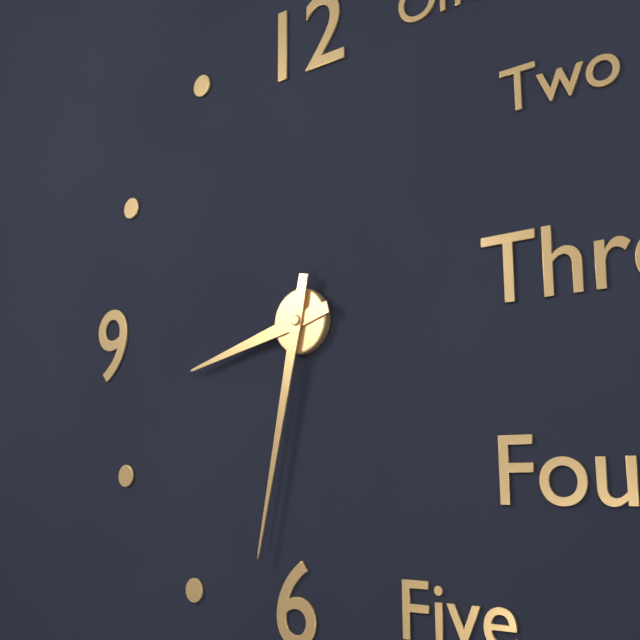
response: 8 h 32 min
